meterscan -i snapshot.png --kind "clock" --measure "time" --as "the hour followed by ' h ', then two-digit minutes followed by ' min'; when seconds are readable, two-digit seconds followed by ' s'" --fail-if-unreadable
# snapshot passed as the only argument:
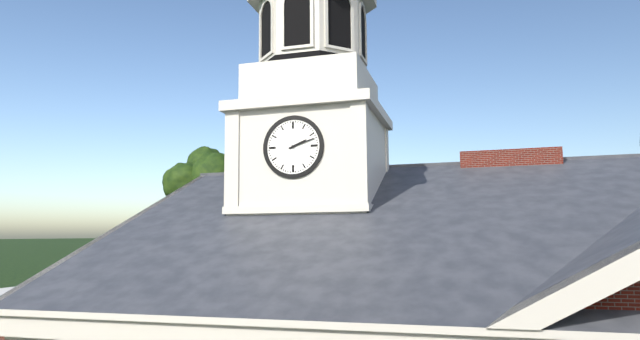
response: 2 h 12 min
